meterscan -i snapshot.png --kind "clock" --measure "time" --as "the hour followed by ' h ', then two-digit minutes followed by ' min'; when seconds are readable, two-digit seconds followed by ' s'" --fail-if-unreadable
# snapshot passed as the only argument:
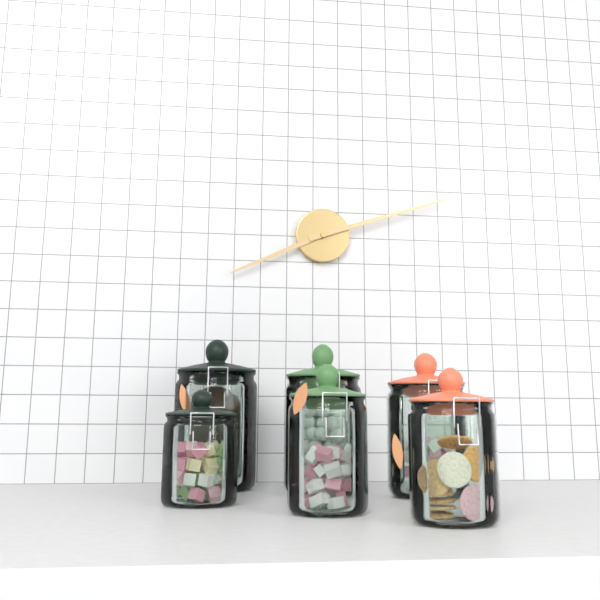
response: 8 h 12 min
